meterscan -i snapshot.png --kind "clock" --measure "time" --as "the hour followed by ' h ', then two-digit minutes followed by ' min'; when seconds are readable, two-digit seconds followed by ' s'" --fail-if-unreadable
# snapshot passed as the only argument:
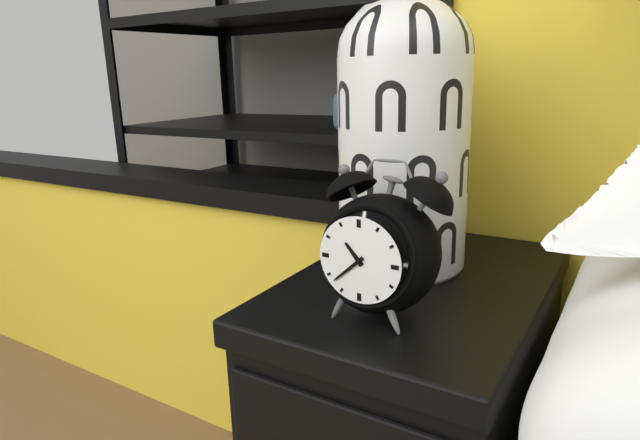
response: 10 h 38 min
